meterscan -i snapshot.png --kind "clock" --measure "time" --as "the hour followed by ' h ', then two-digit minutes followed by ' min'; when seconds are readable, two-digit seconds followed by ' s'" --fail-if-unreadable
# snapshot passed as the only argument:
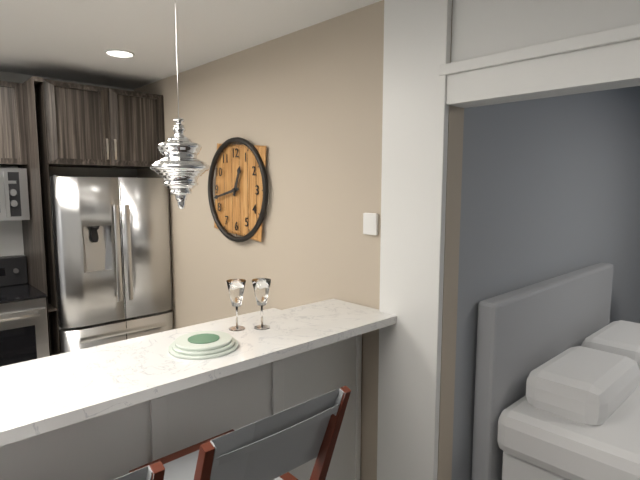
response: 12 h 43 min
